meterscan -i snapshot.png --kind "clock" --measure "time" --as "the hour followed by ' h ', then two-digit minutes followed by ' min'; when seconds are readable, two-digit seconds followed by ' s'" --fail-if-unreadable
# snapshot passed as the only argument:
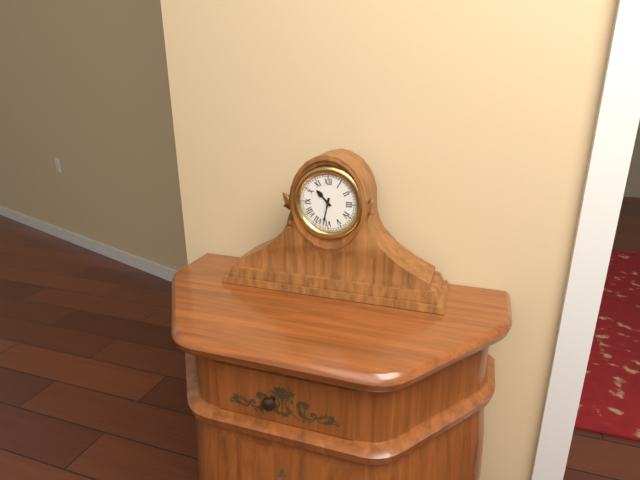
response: 10 h 32 min
